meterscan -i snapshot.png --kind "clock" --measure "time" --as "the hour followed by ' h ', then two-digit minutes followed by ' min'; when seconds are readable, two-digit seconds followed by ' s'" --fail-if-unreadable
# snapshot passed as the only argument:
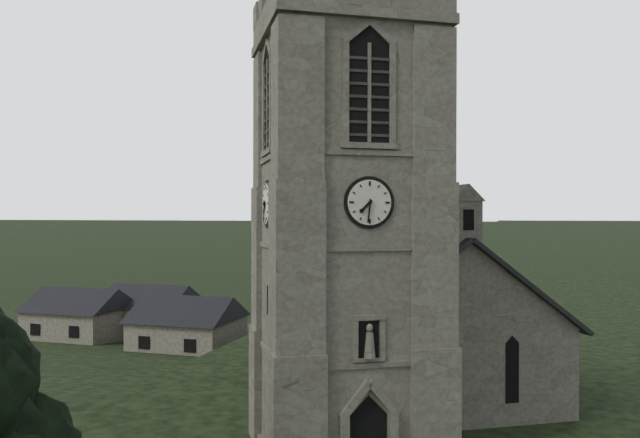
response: 7 h 31 min
